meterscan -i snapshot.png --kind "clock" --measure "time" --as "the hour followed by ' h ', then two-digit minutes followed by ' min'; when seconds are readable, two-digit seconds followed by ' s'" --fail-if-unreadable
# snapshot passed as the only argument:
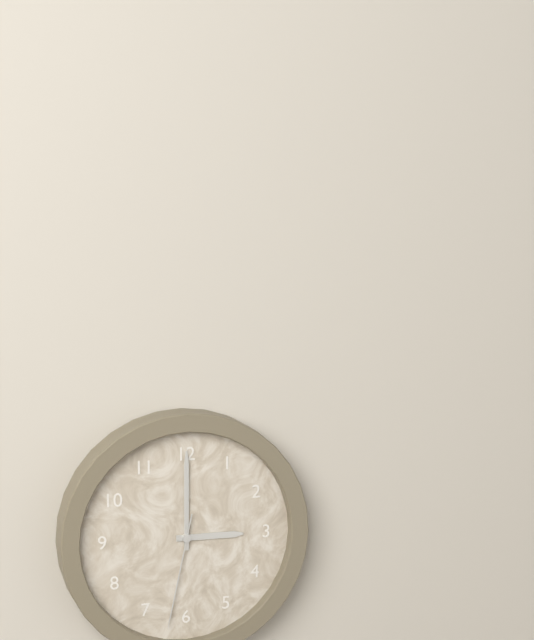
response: 3 h 00 min 32 s
